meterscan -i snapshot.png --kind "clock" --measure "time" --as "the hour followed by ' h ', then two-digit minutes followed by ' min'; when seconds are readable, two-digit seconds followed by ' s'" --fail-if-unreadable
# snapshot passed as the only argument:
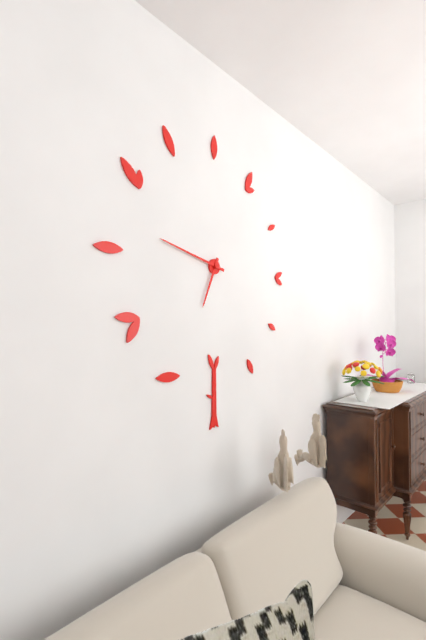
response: 6 h 47 min
